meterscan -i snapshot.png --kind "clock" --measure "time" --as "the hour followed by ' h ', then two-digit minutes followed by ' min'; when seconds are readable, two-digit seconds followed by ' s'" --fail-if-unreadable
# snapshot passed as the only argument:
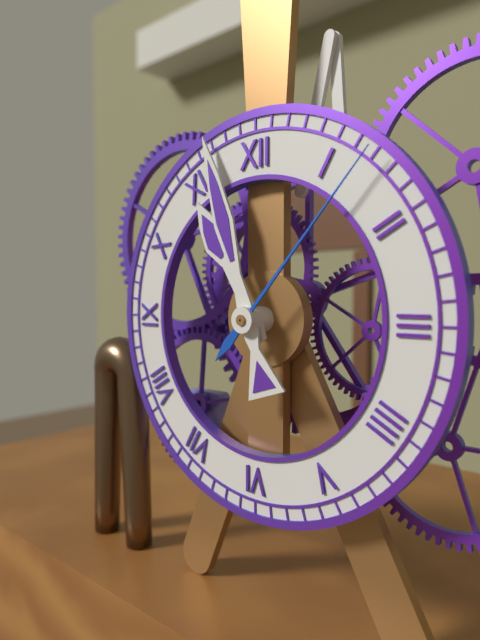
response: 10 h 57 min 07 s
